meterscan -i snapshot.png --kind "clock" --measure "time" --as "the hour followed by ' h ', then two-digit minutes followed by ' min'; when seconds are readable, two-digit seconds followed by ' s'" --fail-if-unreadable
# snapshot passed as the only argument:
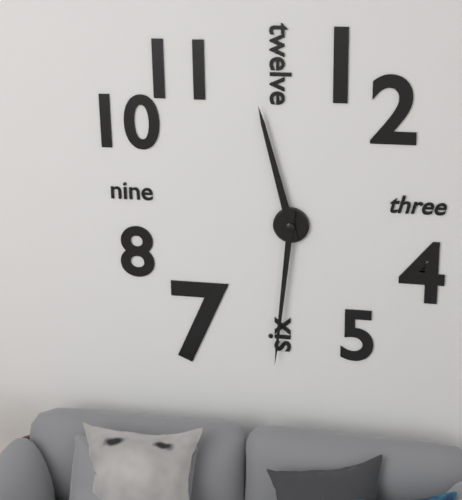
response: 11 h 31 min
